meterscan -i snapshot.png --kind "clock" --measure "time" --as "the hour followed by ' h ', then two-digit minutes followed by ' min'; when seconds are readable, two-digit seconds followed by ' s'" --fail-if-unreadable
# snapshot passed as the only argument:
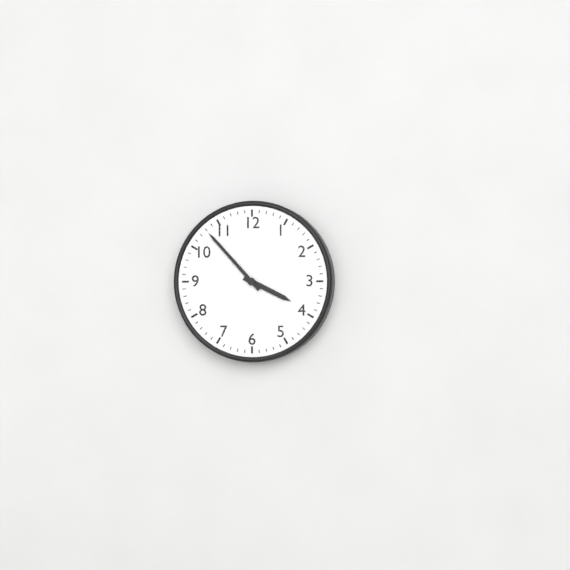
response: 3 h 53 min
